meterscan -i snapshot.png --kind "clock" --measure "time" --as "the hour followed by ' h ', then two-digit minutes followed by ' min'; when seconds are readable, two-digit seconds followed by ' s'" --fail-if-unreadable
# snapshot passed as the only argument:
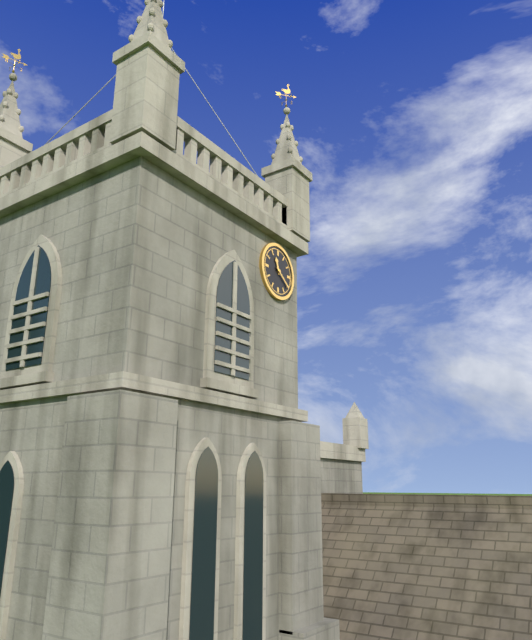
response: 11 h 21 min
